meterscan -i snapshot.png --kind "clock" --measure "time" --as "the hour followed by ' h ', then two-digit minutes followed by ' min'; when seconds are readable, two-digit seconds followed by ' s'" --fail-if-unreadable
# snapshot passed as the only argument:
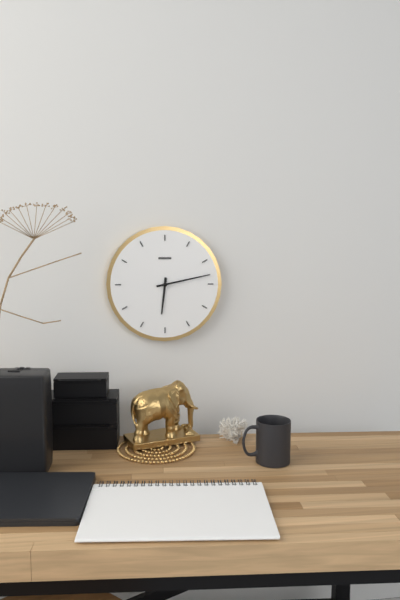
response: 6 h 13 min
